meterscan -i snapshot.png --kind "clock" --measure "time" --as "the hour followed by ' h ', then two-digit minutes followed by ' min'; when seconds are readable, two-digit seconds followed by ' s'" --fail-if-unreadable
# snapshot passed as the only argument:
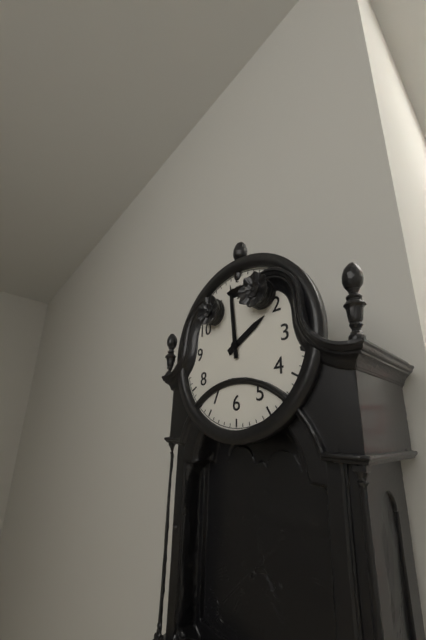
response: 1 h 59 min
